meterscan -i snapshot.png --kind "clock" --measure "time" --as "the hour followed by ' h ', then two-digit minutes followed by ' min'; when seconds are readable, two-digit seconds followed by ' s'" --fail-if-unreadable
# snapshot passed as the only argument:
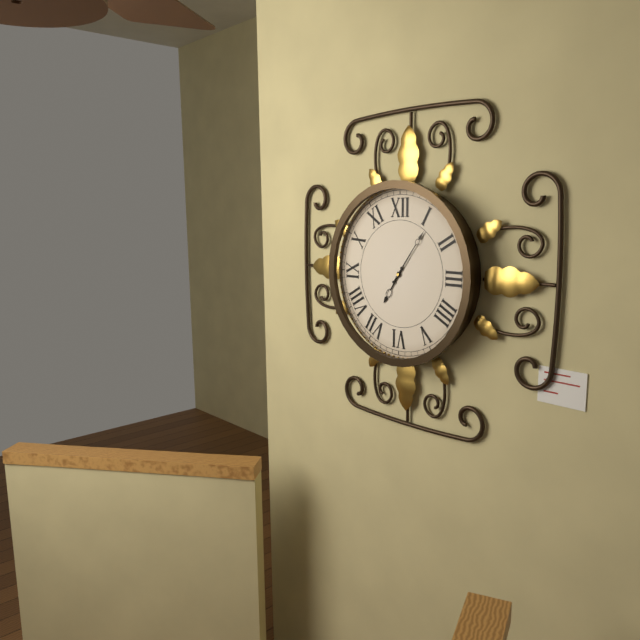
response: 7 h 06 min
